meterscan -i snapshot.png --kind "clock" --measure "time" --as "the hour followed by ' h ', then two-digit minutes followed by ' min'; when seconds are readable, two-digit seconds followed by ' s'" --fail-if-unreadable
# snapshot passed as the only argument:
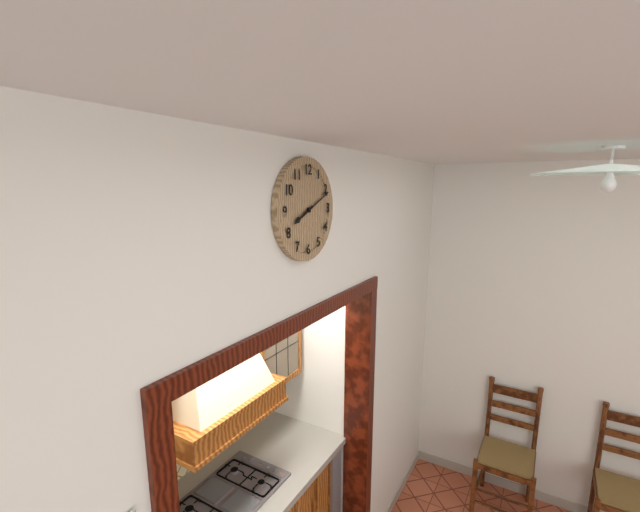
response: 8 h 11 min
